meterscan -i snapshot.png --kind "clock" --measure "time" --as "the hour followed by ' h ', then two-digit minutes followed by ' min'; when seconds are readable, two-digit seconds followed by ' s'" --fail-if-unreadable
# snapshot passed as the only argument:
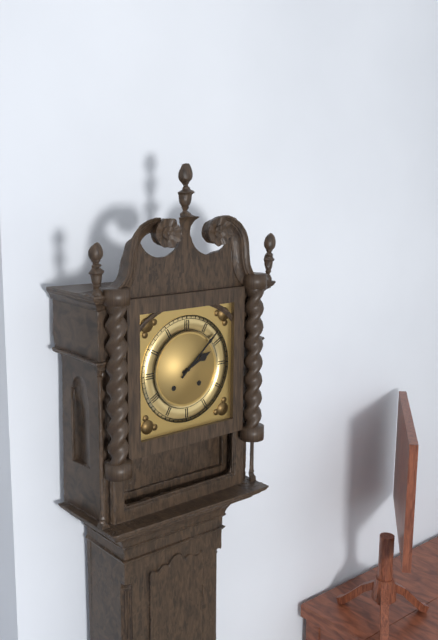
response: 2 h 08 min
